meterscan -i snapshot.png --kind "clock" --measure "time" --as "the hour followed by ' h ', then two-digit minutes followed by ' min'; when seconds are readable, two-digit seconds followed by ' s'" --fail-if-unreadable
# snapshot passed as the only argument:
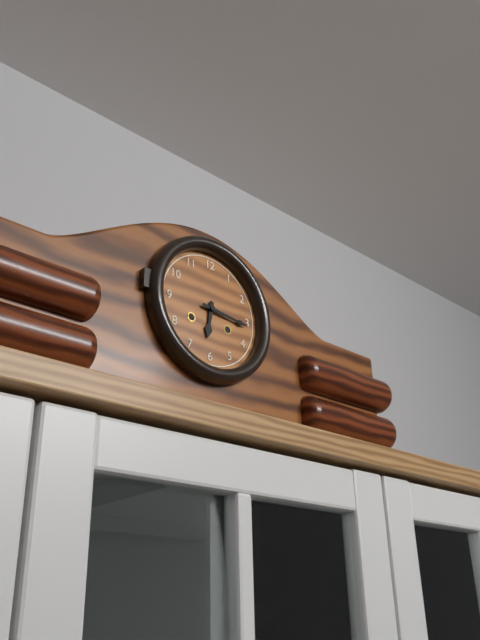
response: 6 h 16 min
